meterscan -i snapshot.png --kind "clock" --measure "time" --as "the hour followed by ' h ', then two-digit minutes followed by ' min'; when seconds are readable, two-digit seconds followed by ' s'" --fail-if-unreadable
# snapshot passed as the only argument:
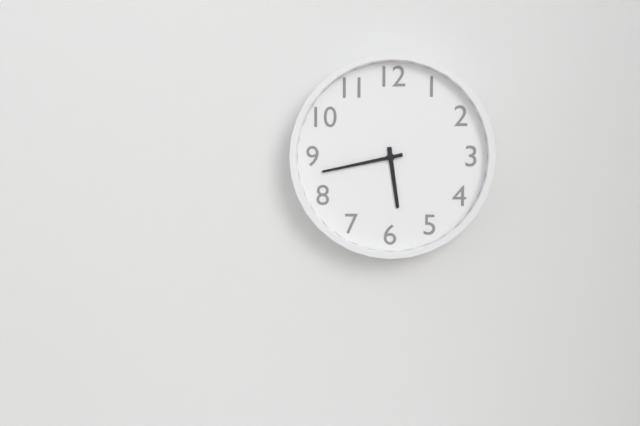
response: 5 h 43 min
